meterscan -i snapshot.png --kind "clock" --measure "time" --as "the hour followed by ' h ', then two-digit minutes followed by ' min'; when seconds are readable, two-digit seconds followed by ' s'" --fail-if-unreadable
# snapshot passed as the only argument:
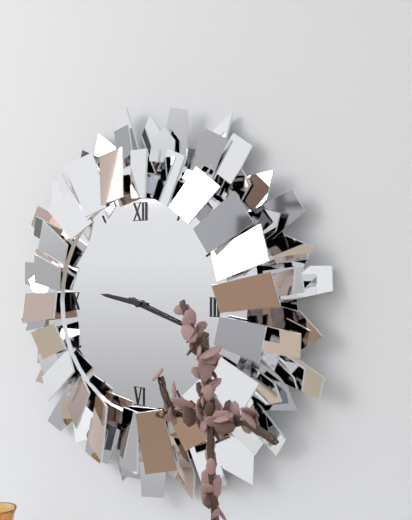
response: 9 h 18 min
